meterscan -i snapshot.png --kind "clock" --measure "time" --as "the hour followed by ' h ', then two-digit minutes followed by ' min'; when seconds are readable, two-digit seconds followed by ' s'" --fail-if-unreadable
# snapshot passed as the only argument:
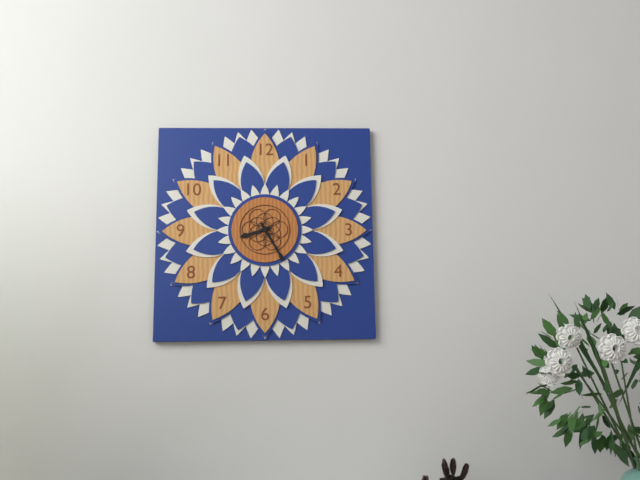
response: 8 h 25 min
